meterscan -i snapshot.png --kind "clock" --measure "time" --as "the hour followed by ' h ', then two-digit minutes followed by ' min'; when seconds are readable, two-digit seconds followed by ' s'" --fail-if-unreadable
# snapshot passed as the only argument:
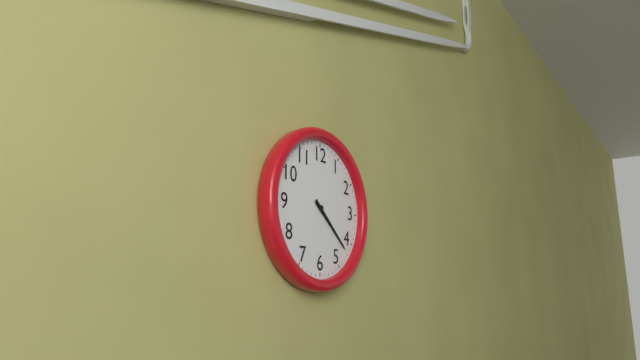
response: 4 h 22 min
